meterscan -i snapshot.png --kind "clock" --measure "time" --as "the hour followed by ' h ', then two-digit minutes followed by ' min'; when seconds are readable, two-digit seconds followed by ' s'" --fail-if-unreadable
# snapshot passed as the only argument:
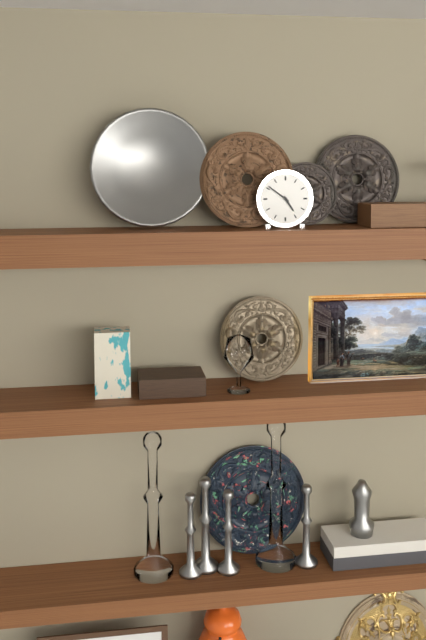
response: 4 h 51 min
